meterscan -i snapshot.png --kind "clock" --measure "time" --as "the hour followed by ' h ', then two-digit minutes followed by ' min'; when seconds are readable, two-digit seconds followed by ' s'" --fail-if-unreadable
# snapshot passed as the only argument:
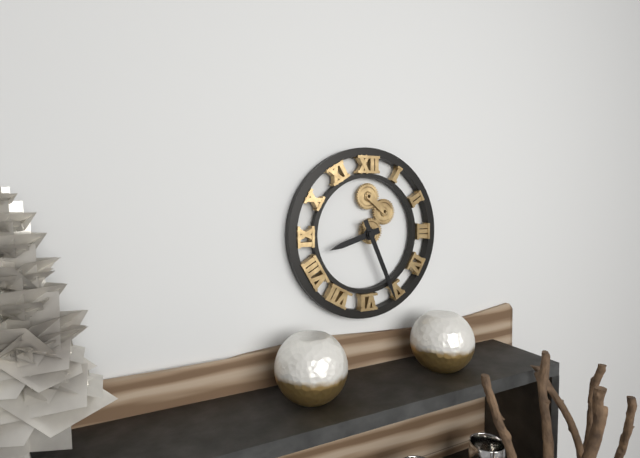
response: 8 h 26 min
